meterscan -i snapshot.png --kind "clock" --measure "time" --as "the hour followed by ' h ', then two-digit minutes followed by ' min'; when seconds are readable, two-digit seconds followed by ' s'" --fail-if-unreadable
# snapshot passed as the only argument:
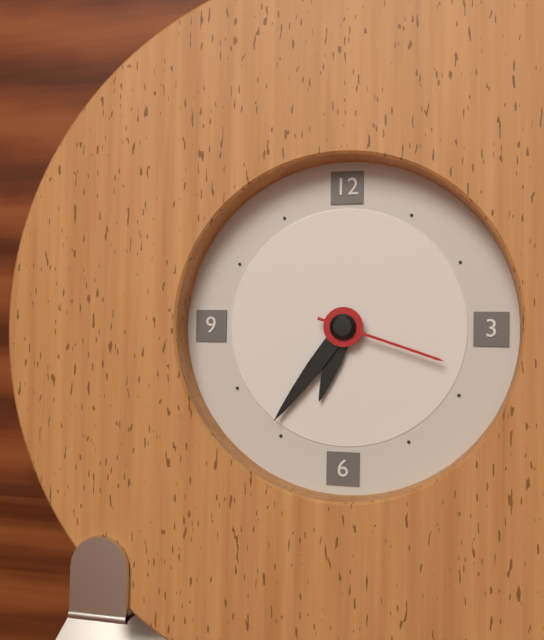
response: 6 h 36 min 18 s
